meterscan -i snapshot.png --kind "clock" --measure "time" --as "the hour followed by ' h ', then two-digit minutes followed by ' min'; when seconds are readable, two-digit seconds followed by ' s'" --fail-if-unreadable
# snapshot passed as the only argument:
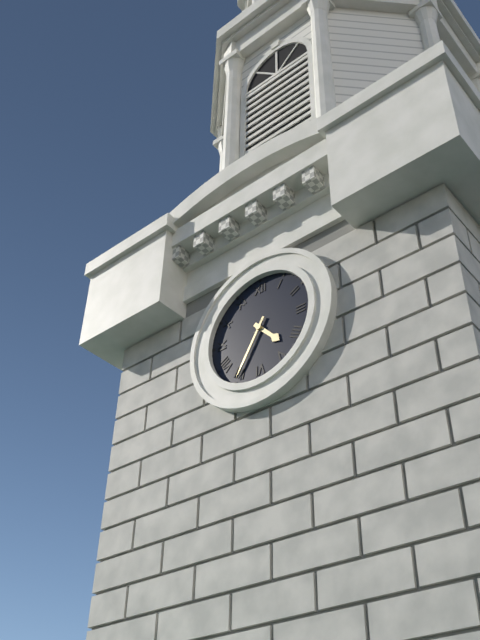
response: 4 h 35 min
